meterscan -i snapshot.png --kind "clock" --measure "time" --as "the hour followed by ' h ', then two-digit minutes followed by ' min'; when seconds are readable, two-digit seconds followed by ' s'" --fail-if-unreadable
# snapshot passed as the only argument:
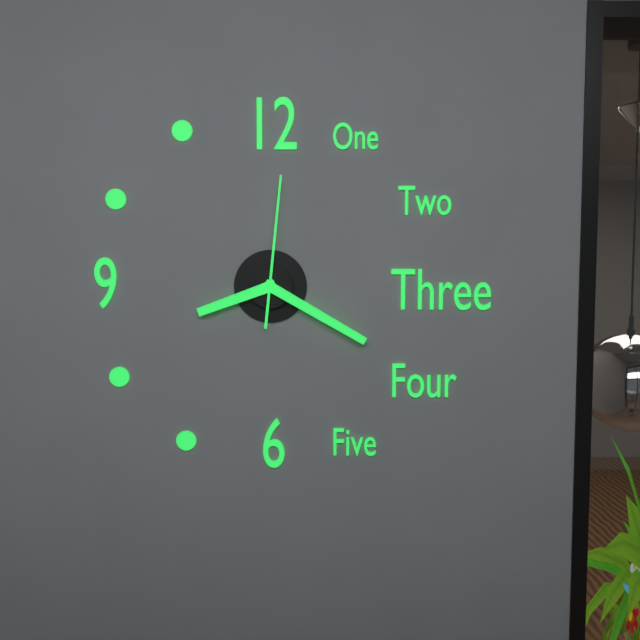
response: 8 h 20 min 01 s
